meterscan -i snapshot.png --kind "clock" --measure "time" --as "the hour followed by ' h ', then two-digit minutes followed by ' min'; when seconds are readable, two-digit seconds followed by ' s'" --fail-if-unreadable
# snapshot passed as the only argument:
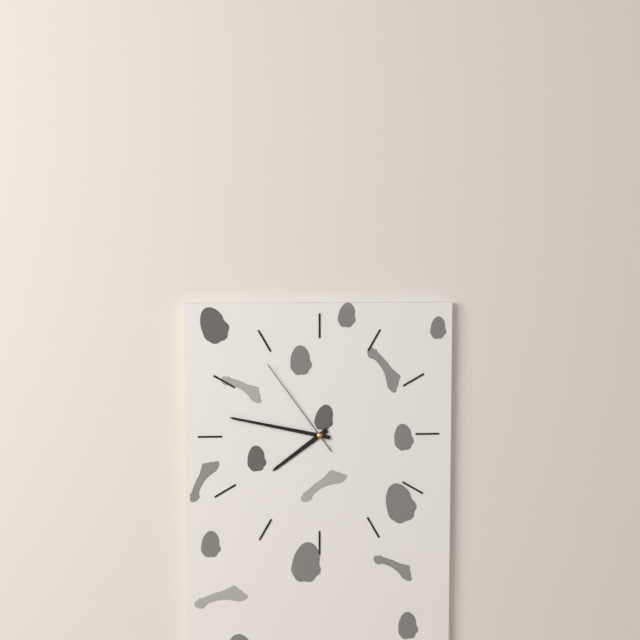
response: 7 h 47 min 54 s
